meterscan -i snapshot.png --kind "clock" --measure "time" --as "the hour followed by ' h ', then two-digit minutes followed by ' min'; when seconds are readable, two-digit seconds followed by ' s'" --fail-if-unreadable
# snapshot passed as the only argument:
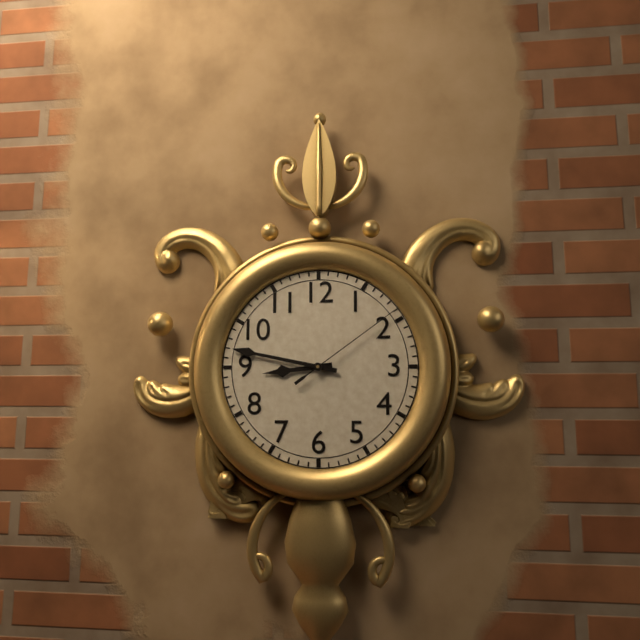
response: 8 h 47 min 09 s
